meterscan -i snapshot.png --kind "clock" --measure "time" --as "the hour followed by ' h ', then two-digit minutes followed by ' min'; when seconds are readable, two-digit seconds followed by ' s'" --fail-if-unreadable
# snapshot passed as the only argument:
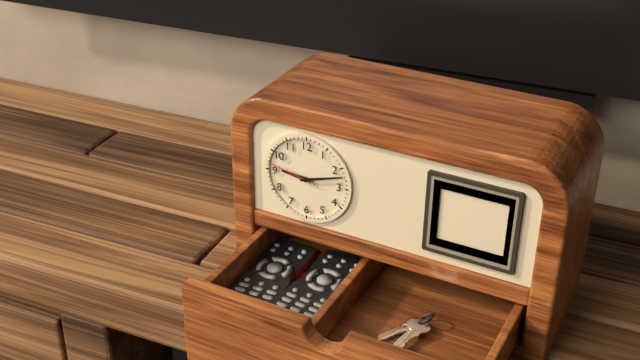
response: 9 h 12 min 47 s
